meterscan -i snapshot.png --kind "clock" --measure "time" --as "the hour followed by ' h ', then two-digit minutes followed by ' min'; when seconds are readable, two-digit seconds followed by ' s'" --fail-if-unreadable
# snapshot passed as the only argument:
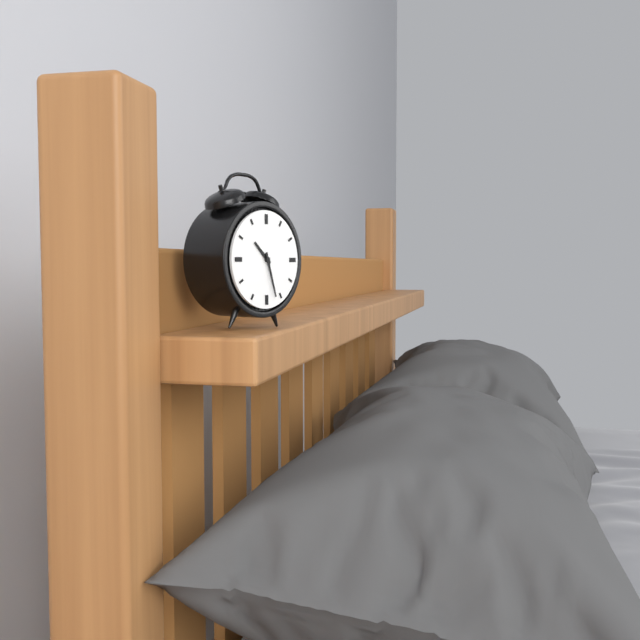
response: 10 h 27 min
